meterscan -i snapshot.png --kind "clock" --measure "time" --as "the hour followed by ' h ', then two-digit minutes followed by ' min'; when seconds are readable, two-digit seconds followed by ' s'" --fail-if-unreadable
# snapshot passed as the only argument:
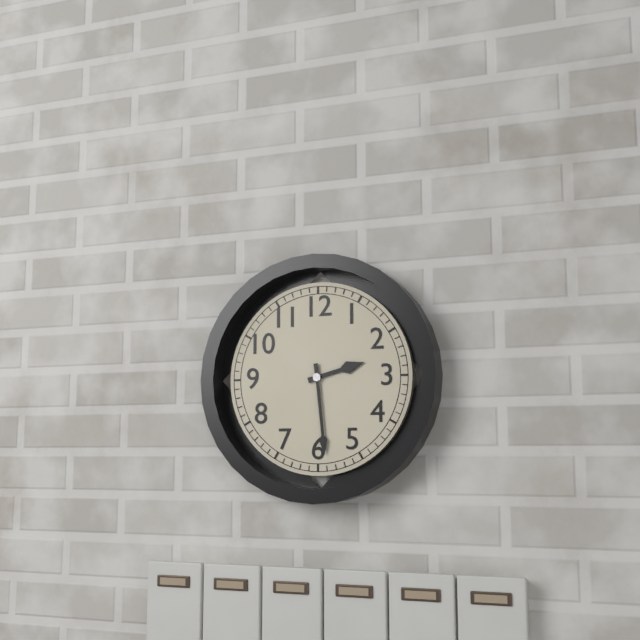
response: 2 h 29 min
